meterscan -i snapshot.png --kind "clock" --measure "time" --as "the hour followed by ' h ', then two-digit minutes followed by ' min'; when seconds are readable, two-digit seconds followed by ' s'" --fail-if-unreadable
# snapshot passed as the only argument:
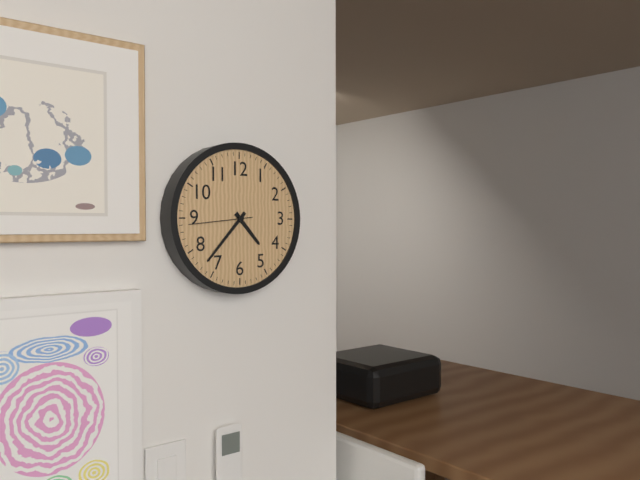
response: 4 h 37 min 44 s
